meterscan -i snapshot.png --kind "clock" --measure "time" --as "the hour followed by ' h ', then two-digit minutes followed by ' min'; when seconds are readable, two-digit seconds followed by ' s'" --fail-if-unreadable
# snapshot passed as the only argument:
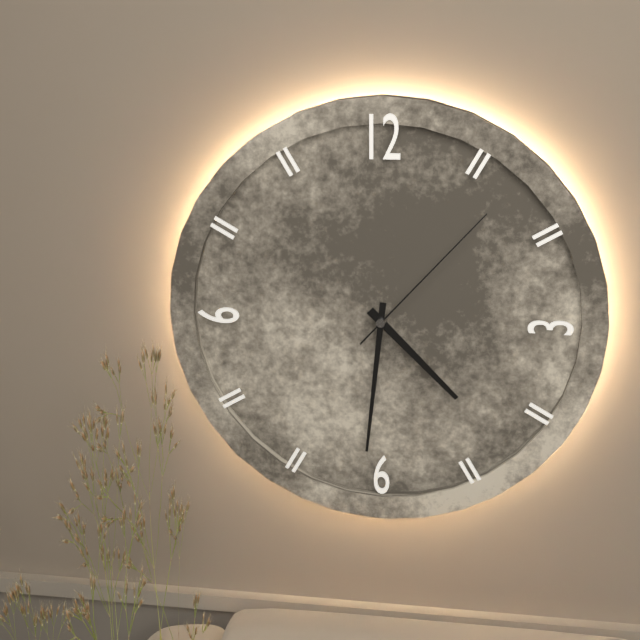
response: 4 h 31 min 07 s
